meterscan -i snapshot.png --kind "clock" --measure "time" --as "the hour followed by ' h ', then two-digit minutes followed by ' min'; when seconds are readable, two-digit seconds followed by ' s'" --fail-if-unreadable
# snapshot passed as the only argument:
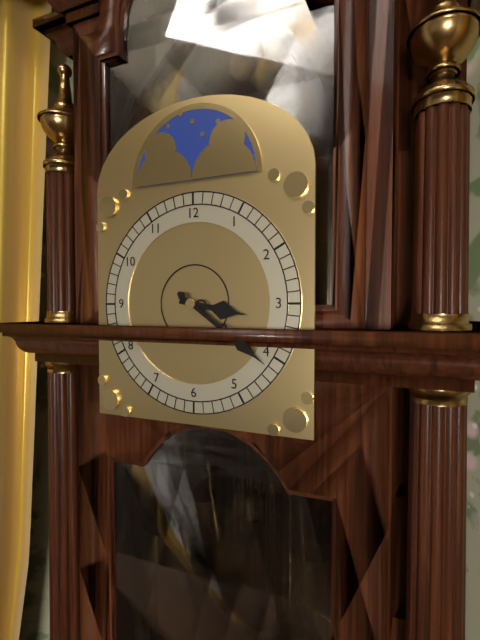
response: 3 h 21 min
